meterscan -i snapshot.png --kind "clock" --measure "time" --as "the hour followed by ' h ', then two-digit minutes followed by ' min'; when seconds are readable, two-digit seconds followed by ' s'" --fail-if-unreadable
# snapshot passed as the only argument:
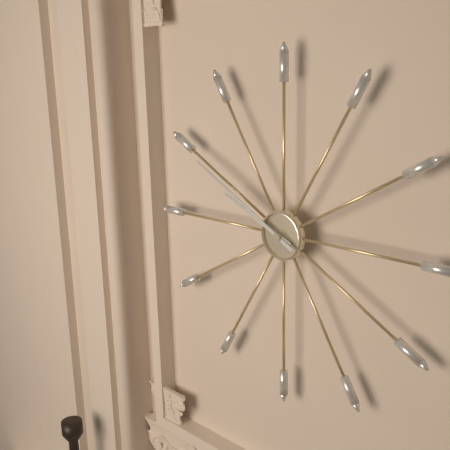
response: 9 h 50 min
